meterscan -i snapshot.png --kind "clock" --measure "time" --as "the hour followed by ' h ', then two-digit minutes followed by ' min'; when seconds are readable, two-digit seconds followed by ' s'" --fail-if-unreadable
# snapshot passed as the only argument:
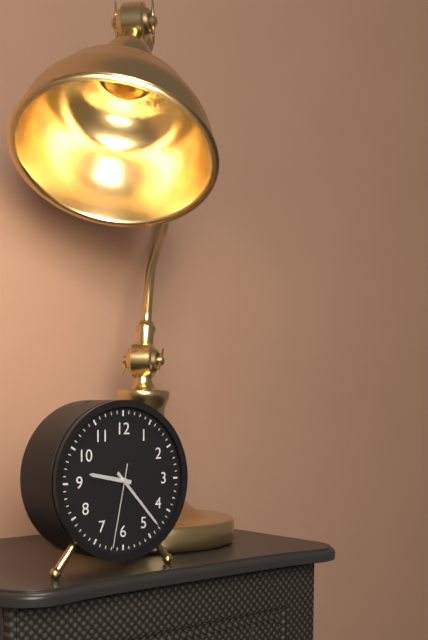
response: 9 h 23 min 32 s
